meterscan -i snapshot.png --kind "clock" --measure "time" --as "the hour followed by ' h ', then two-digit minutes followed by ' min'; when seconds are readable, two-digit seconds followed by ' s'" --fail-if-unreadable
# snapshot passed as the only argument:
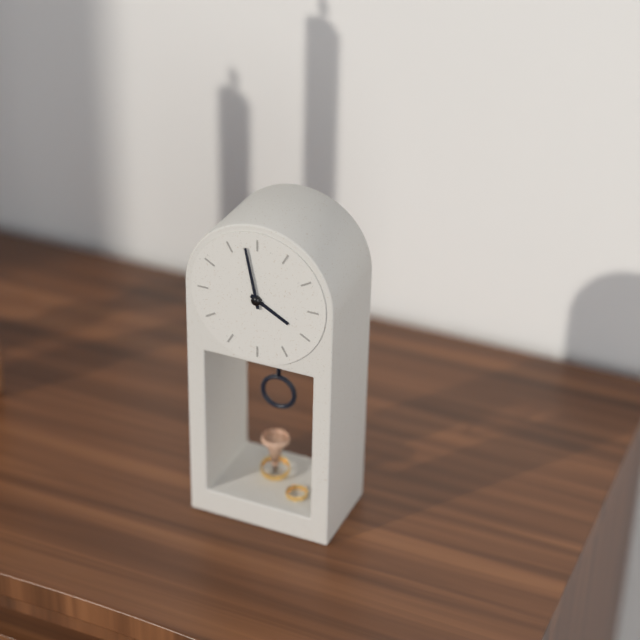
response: 3 h 58 min
